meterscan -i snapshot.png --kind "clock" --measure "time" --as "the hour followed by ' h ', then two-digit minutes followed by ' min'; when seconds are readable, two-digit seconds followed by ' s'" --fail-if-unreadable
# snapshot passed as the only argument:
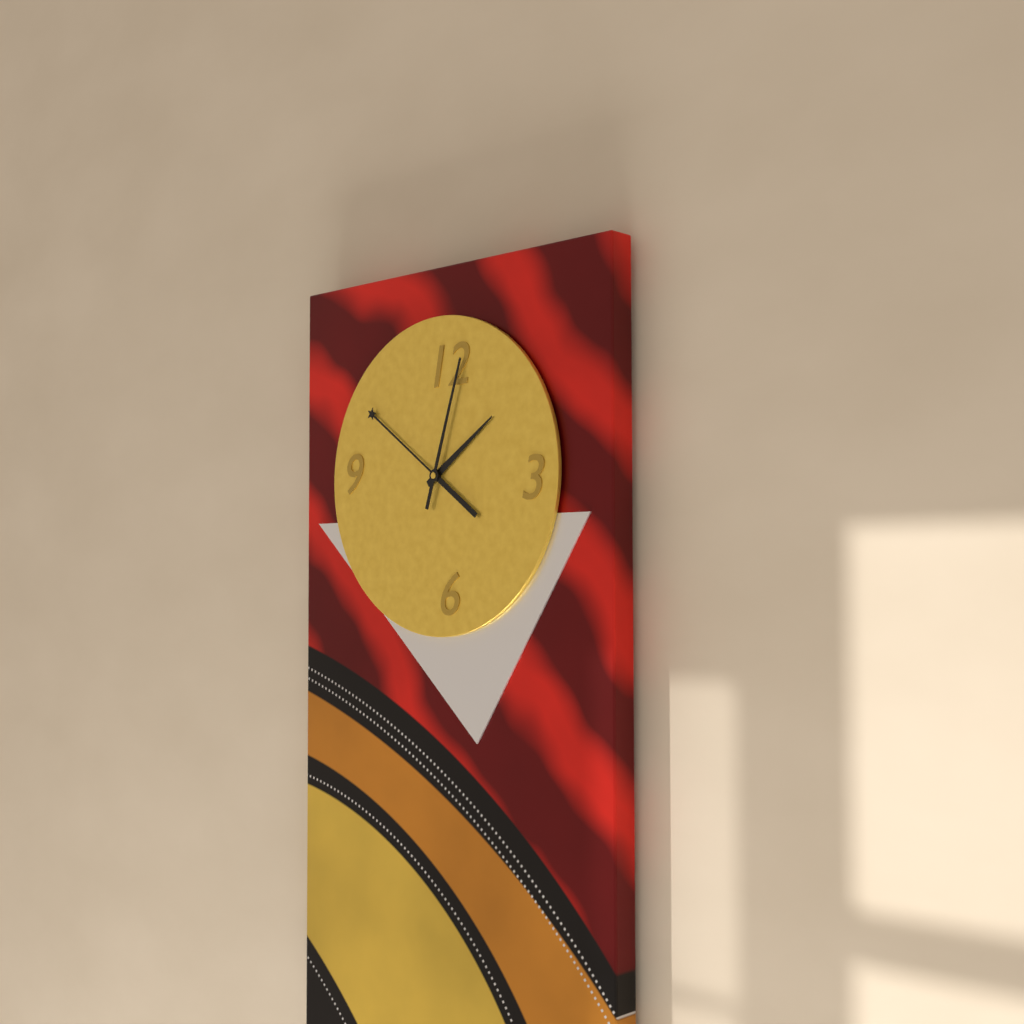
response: 1 h 51 min 03 s
